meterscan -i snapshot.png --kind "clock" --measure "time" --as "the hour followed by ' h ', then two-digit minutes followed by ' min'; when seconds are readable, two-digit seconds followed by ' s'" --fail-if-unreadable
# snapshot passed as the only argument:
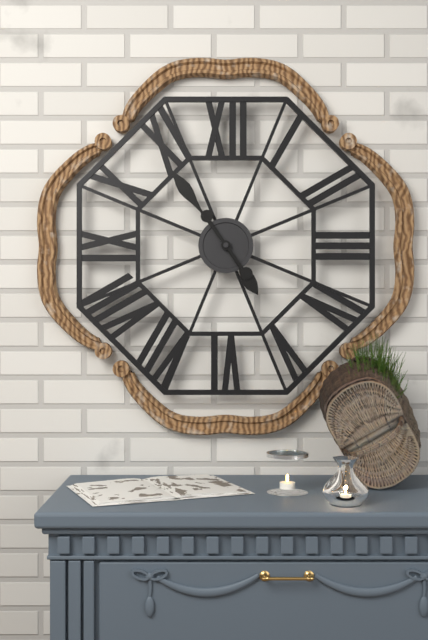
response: 4 h 54 min
